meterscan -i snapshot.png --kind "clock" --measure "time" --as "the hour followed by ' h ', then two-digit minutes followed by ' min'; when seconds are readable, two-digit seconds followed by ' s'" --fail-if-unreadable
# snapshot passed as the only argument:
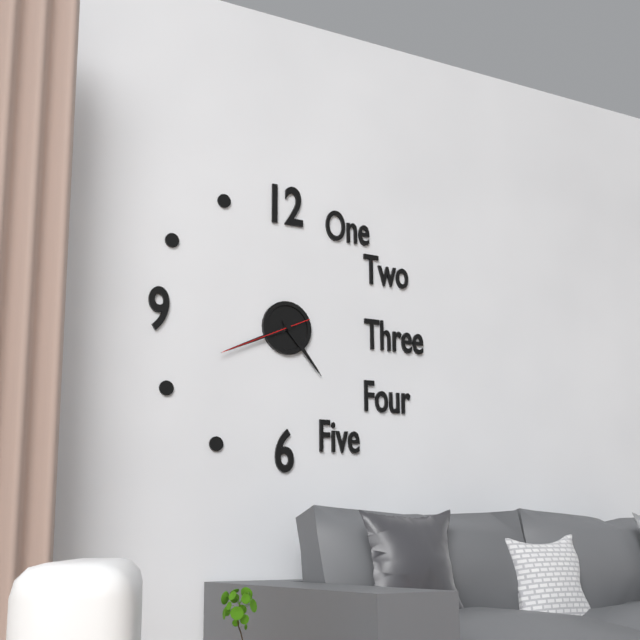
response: 4 h 41 min 41 s
